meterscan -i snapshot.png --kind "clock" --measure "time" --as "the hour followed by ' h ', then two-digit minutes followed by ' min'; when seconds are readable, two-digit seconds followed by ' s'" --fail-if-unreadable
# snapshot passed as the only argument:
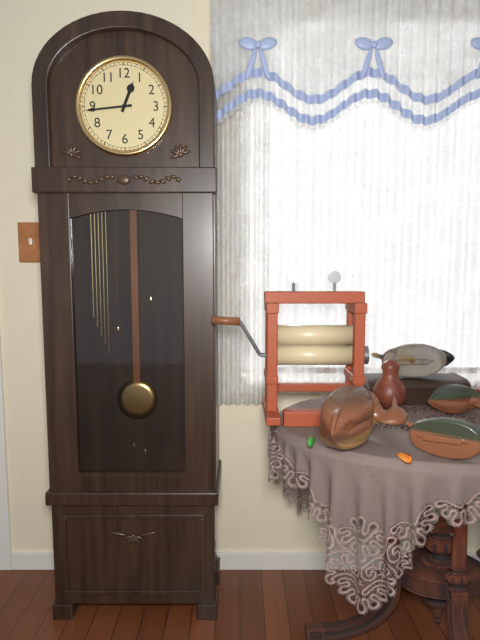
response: 12 h 44 min
